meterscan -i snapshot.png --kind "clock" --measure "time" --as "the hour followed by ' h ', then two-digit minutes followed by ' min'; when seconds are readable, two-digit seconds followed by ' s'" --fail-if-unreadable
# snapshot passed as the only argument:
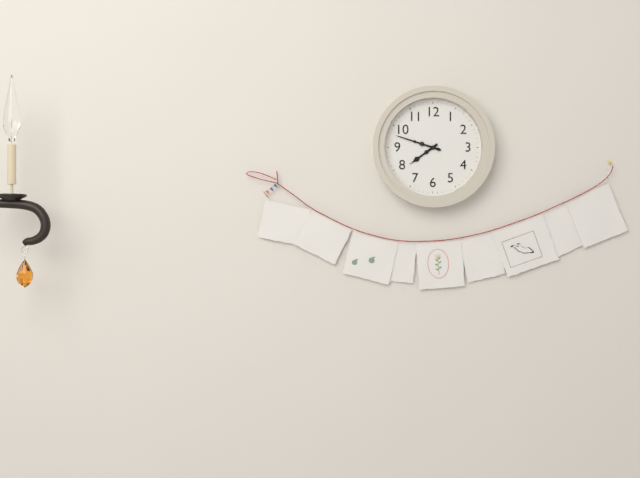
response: 7 h 48 min
